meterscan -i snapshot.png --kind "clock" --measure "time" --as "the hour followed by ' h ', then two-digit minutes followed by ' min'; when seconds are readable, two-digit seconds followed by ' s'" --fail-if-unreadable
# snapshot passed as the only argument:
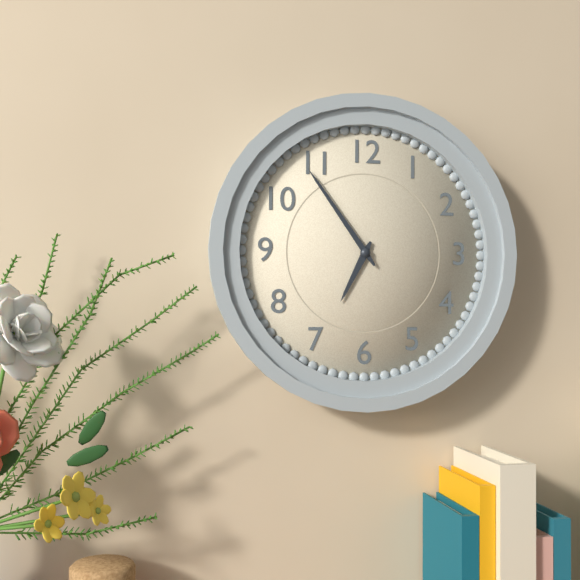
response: 6 h 54 min
